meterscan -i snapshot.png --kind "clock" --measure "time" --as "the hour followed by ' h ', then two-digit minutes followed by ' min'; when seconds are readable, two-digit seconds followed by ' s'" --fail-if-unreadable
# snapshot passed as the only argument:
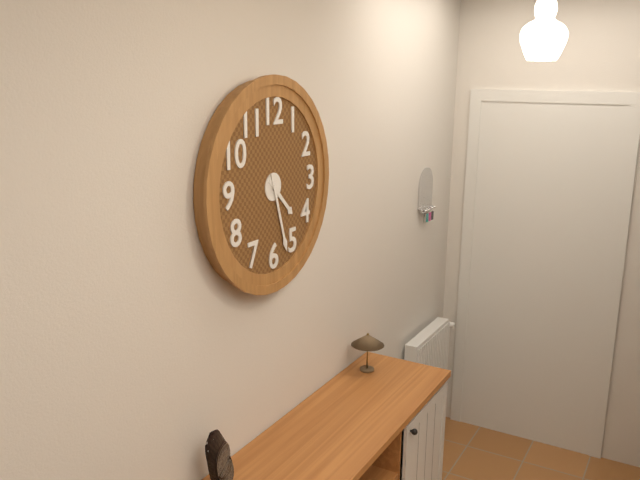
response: 4 h 27 min
